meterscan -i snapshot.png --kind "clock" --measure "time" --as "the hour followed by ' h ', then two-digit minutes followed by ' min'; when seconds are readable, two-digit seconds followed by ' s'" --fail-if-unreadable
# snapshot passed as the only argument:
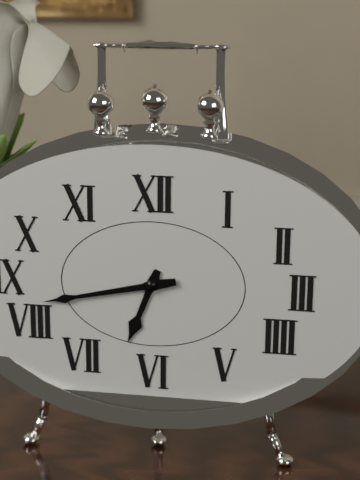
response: 6 h 43 min
